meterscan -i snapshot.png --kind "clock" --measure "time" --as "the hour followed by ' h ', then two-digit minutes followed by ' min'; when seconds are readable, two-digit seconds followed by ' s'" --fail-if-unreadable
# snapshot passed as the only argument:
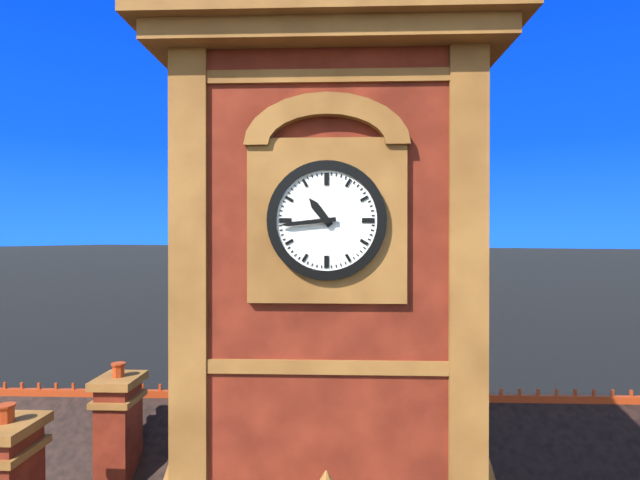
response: 10 h 44 min
